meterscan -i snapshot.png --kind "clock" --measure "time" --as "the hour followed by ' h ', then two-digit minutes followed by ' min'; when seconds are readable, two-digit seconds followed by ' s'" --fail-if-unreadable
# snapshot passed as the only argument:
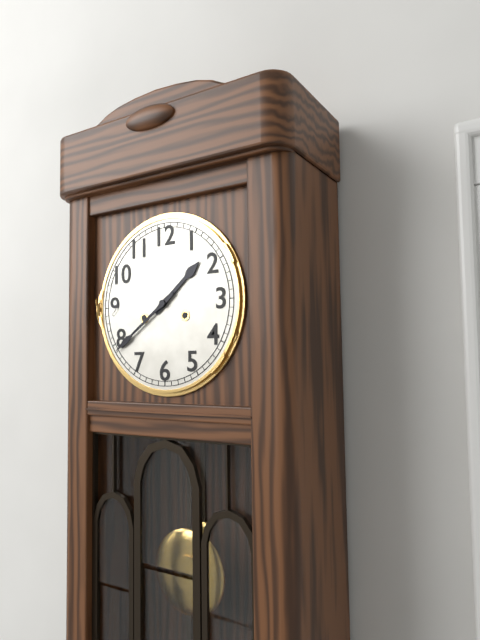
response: 1 h 39 min
